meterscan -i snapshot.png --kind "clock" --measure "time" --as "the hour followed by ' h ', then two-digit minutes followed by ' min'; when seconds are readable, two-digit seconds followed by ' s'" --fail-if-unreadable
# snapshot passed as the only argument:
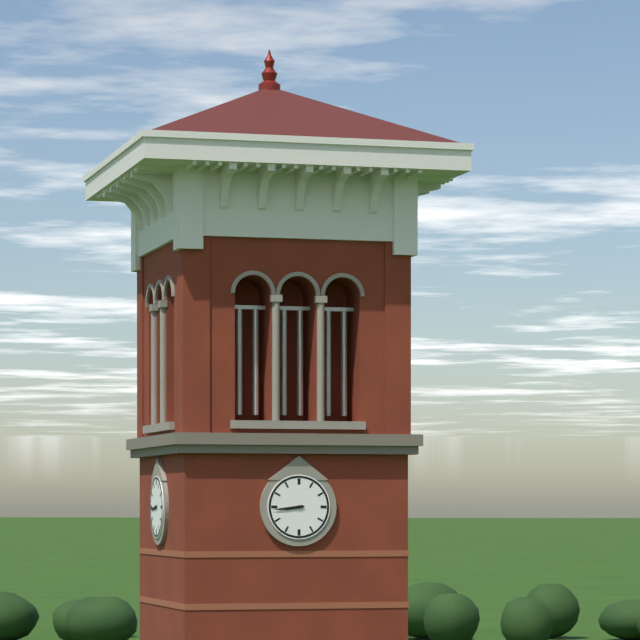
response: 8 h 44 min
